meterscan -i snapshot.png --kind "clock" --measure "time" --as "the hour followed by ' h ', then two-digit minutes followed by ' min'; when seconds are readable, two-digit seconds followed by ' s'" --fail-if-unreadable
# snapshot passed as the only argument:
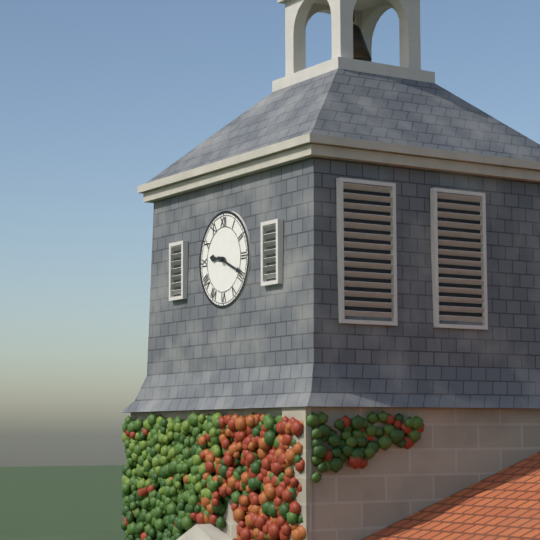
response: 9 h 19 min
